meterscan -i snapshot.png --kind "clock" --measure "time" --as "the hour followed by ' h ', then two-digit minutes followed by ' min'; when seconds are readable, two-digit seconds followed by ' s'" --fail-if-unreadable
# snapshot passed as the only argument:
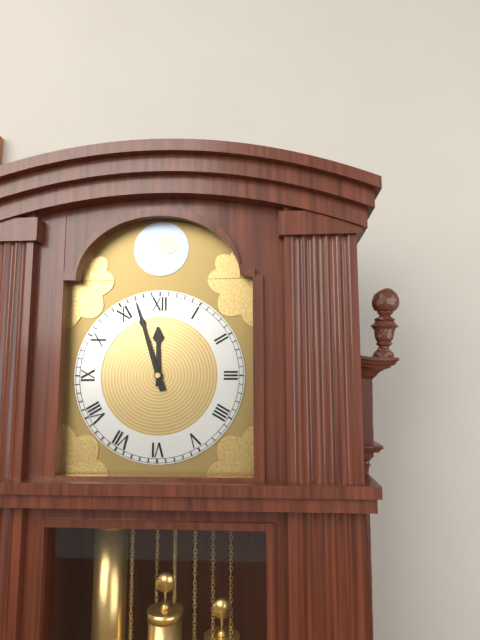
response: 11 h 57 min
